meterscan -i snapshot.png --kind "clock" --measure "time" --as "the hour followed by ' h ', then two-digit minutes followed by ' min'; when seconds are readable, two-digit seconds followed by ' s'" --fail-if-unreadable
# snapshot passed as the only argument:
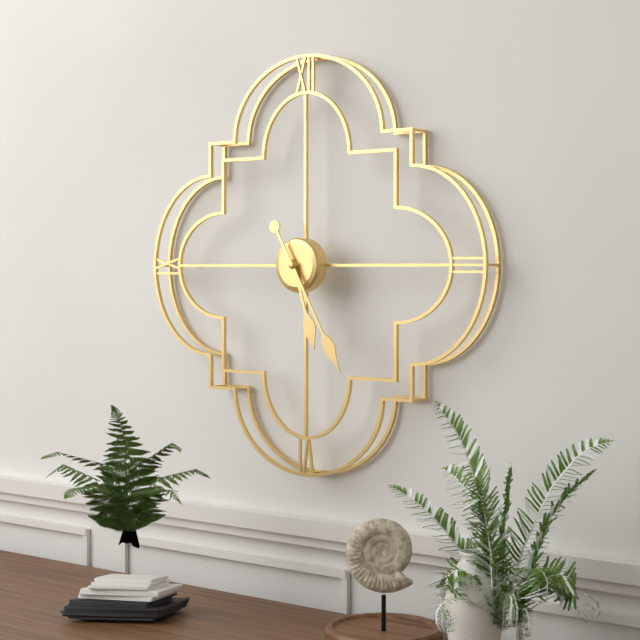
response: 5 h 25 min
